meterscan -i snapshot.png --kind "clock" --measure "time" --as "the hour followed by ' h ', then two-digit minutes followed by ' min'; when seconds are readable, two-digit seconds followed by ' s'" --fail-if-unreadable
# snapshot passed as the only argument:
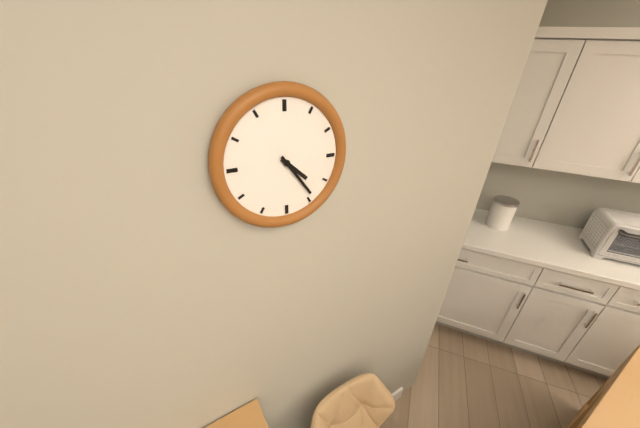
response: 4 h 24 min
